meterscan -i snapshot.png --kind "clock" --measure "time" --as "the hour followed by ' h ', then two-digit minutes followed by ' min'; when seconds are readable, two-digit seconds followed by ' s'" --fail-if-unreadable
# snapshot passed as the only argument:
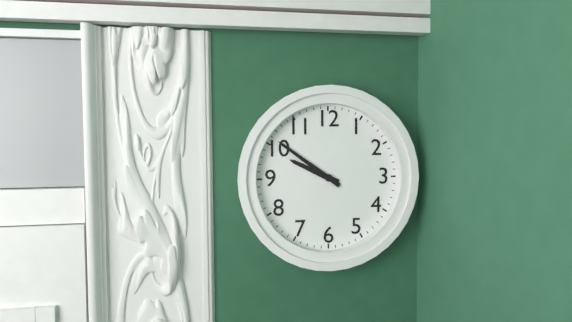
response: 9 h 51 min
